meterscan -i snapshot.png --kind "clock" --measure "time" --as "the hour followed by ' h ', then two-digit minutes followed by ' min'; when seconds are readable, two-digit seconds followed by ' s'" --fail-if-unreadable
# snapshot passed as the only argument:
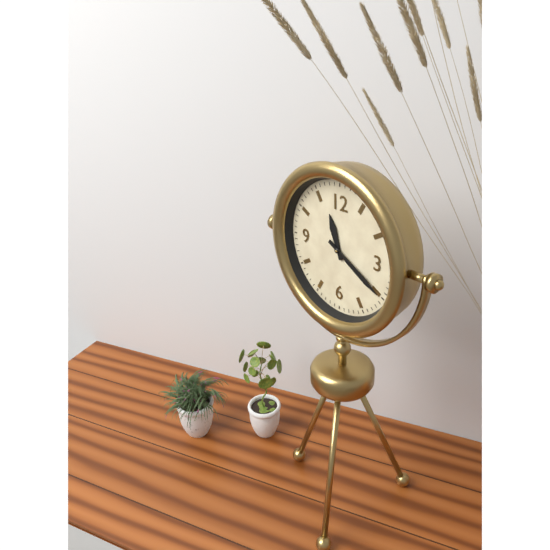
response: 11 h 20 min
